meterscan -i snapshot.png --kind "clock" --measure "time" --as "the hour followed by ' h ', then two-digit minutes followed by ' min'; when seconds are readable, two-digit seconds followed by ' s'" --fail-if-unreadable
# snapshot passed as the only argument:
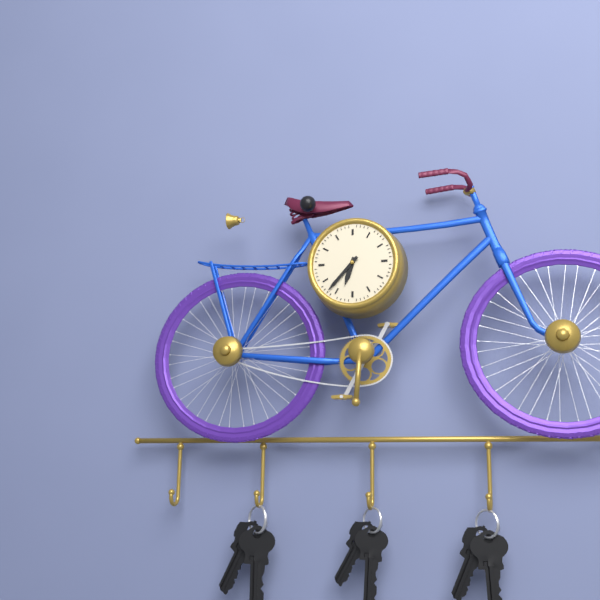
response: 6 h 37 min
